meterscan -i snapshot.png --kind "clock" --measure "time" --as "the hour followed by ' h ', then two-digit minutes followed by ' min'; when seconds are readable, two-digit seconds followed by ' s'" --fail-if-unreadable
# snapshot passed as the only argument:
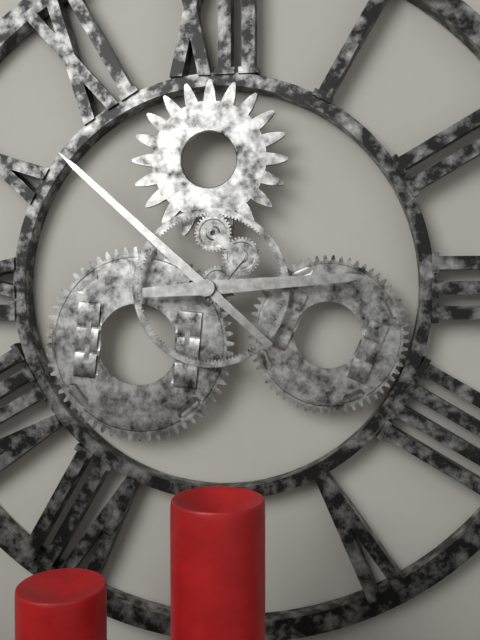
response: 2 h 52 min
